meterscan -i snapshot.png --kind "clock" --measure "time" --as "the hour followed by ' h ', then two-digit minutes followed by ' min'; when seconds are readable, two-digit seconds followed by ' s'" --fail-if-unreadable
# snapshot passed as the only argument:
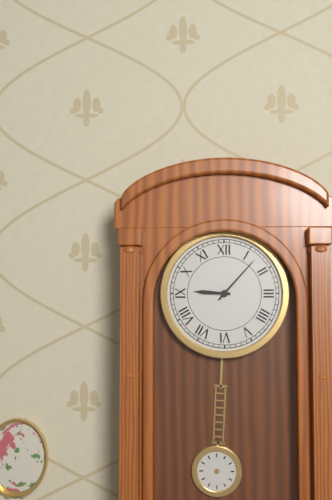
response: 9 h 07 min
